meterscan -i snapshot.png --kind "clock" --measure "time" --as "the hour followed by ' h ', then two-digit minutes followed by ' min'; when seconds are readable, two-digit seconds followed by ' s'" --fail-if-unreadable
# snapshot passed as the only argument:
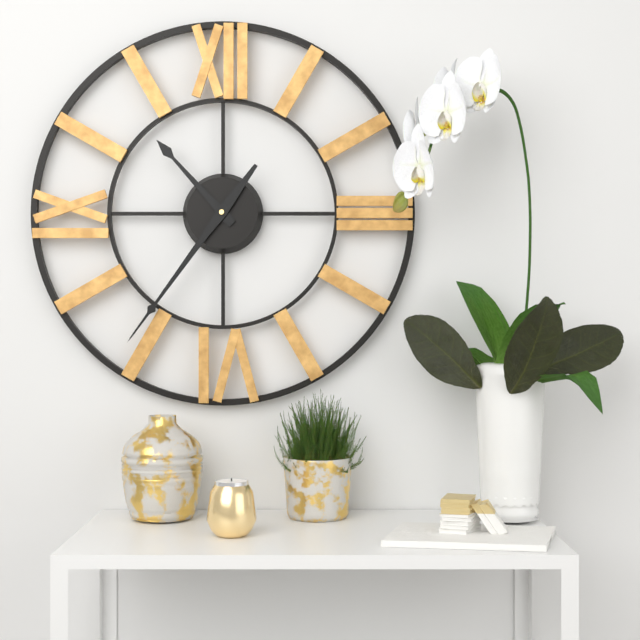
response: 10 h 36 min
